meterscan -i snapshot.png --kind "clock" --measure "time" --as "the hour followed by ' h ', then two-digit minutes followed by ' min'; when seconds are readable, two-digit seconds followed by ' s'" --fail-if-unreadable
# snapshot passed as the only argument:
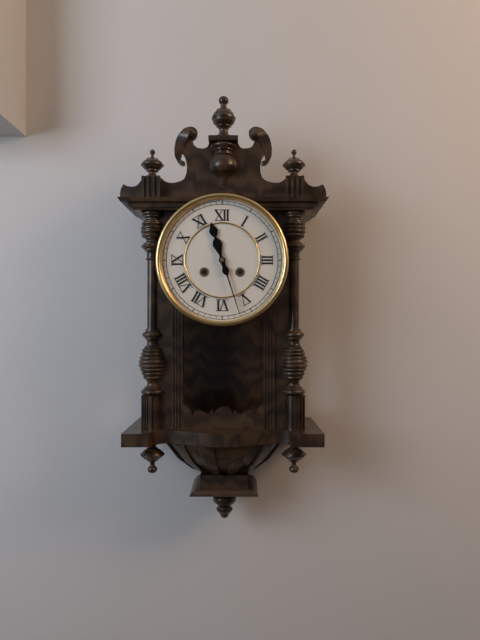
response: 11 h 27 min
